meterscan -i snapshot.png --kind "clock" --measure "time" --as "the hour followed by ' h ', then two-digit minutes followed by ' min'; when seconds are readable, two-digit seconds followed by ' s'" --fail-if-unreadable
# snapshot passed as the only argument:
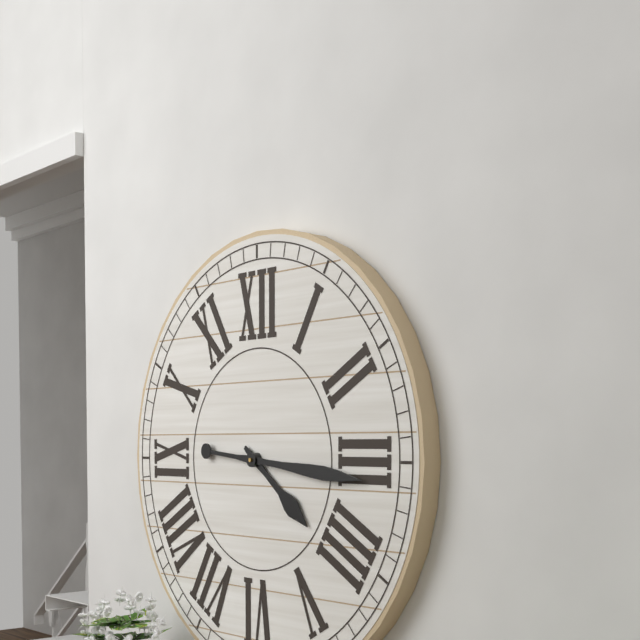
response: 4 h 16 min
